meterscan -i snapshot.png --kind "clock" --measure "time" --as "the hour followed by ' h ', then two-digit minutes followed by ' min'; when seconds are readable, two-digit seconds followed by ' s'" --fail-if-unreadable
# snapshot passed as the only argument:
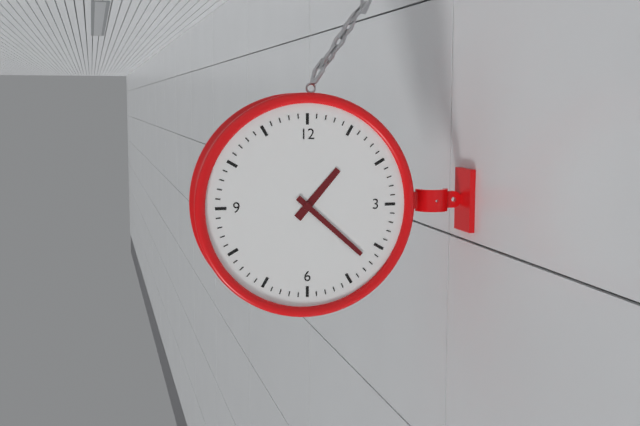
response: 1 h 22 min
